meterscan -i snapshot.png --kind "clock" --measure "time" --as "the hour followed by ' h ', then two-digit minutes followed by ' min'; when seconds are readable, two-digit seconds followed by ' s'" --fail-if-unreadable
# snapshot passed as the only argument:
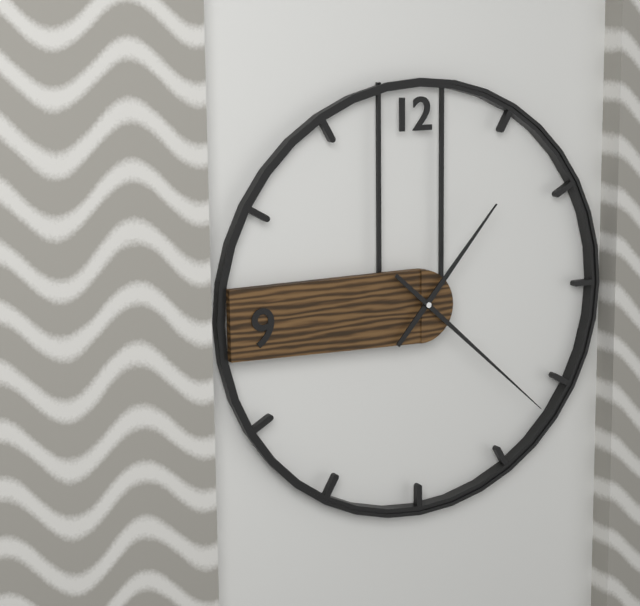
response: 1 h 22 min
